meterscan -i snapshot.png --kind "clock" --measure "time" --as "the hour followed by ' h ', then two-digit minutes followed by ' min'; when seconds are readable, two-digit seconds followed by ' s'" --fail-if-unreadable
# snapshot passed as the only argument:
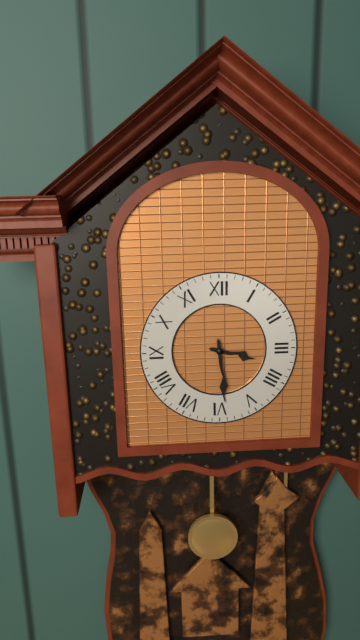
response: 3 h 29 min
